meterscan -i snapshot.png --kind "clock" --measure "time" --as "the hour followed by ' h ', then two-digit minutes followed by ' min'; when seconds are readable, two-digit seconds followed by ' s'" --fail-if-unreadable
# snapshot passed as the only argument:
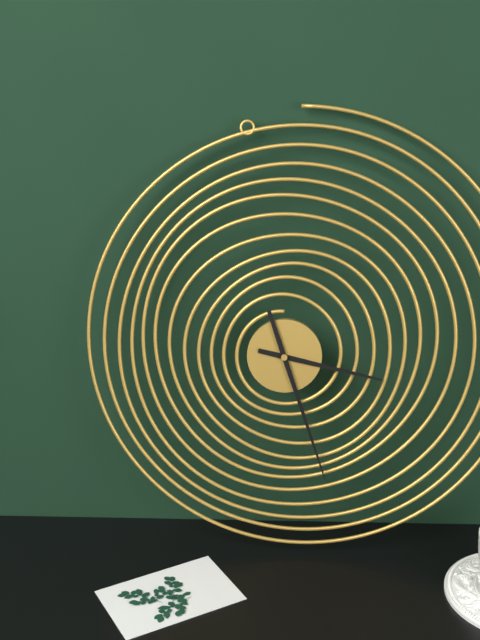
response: 3 h 27 min
